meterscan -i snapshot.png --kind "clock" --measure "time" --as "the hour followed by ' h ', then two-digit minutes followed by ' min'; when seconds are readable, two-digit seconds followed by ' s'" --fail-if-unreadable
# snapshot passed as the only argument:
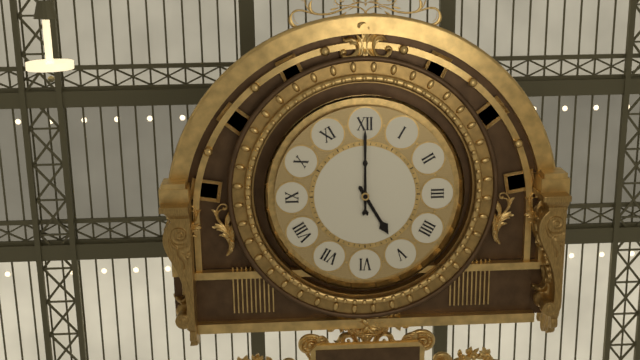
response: 5 h 00 min
